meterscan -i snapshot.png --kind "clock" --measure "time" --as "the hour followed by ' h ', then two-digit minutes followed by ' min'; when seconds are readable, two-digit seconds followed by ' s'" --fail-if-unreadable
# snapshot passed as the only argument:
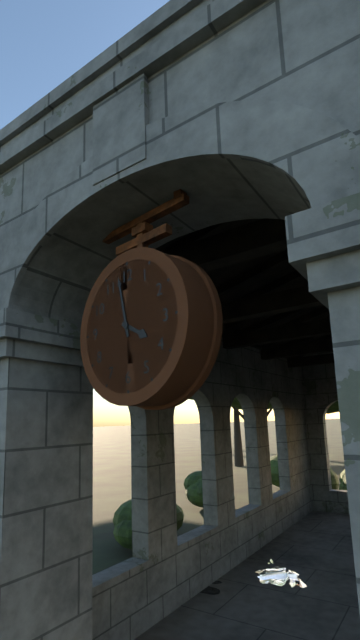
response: 3 h 58 min
